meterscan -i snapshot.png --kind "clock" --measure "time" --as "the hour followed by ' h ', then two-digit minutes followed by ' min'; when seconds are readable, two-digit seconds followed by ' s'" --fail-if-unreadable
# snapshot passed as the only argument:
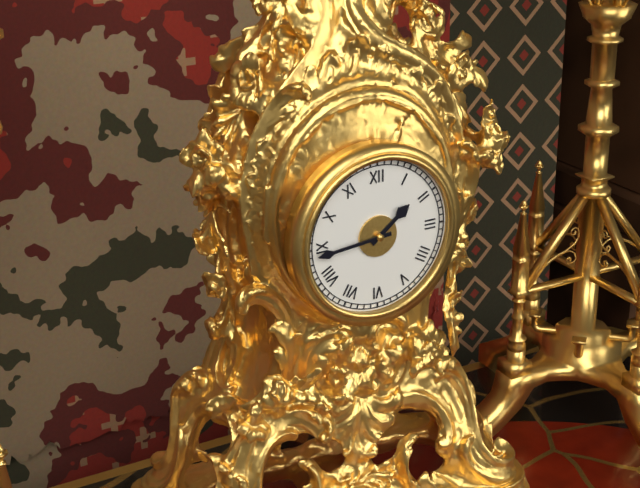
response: 1 h 44 min
